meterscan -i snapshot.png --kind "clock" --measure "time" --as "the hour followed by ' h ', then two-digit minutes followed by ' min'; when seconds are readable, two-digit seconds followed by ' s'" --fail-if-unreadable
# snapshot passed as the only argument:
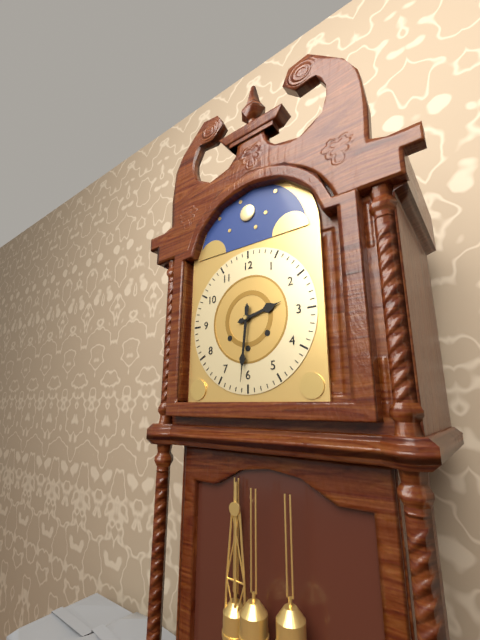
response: 2 h 31 min
